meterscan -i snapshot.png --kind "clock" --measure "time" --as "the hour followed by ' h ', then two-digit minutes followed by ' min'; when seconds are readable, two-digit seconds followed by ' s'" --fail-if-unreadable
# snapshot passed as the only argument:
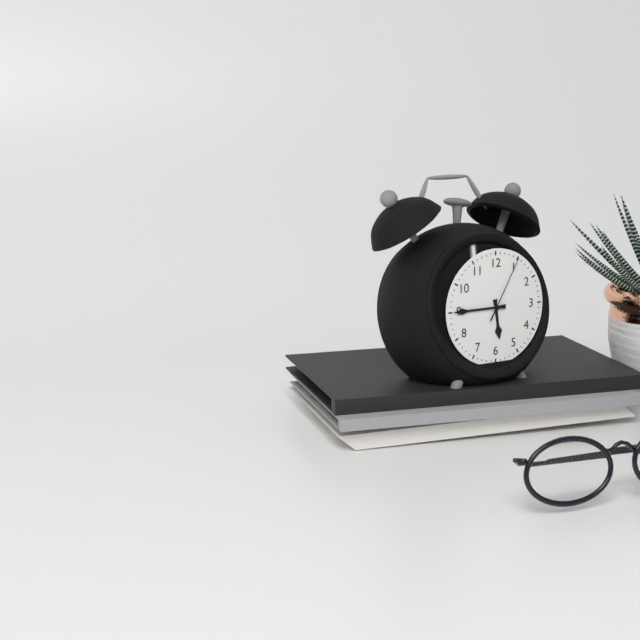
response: 5 h 45 min 05 s
